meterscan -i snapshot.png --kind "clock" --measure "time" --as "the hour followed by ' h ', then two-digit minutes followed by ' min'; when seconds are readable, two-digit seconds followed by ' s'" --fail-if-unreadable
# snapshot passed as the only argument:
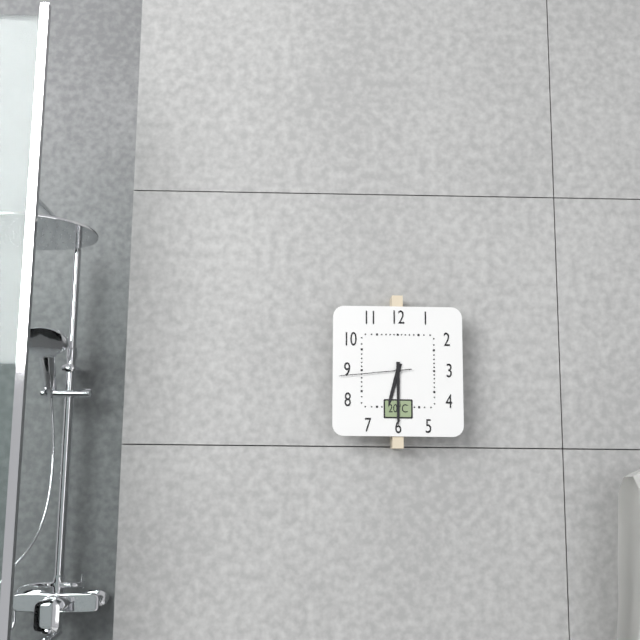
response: 6 h 30 min 44 s
